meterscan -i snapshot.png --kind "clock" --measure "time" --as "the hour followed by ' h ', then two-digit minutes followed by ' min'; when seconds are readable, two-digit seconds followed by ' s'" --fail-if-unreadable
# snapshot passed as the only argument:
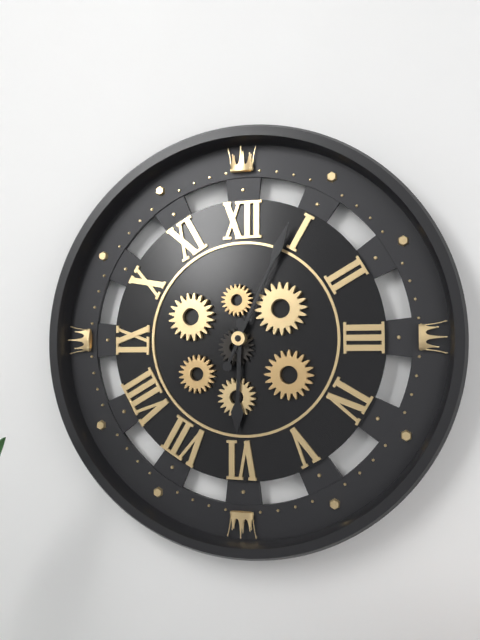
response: 6 h 04 min
